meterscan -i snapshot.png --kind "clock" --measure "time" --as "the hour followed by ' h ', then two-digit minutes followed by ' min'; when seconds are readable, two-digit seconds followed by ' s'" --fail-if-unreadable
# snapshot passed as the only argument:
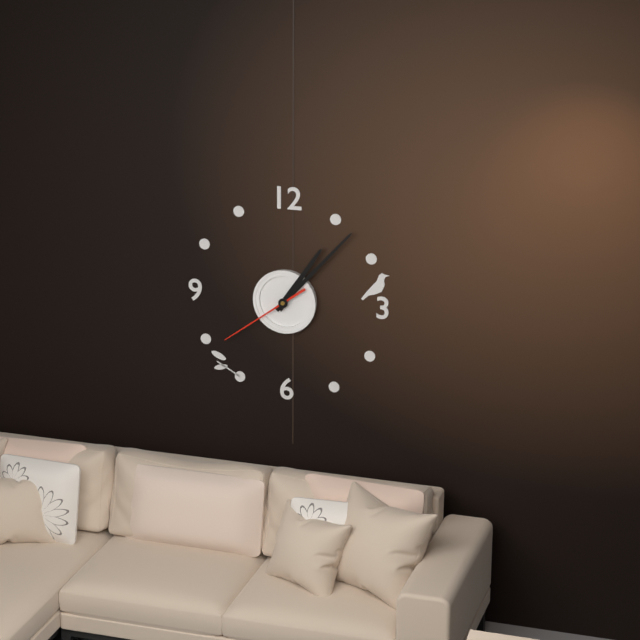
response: 1 h 07 min 39 s
